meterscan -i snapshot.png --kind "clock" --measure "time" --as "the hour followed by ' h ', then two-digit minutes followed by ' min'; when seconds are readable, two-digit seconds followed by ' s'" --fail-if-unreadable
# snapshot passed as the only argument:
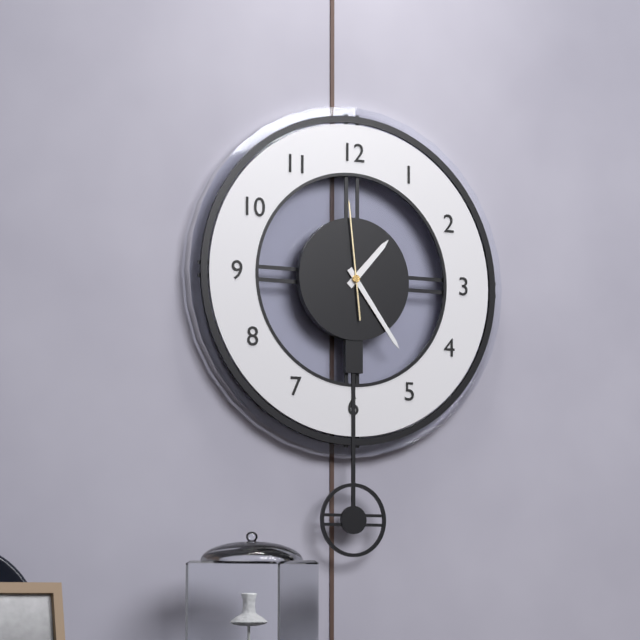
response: 1 h 24 min 59 s
